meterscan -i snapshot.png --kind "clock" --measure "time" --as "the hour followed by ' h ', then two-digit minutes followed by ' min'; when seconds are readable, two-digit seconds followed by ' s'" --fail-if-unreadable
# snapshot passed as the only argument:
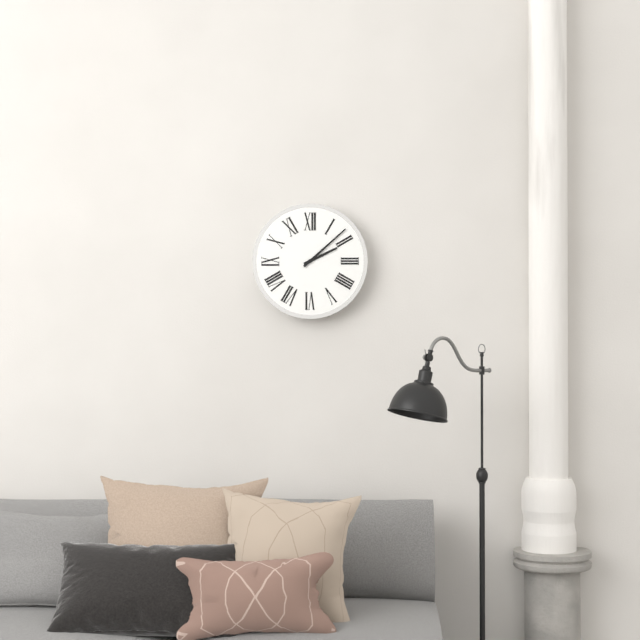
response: 2 h 08 min
